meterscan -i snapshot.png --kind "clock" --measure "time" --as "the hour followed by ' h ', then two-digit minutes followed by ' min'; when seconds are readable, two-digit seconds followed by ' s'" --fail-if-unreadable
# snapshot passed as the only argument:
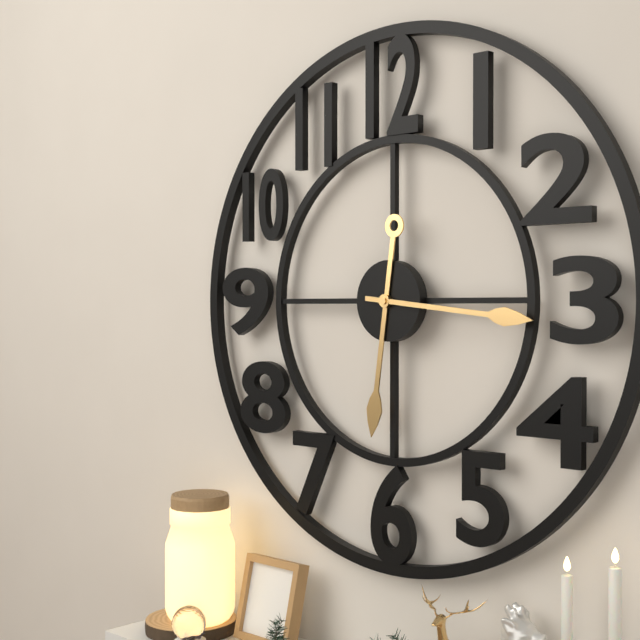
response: 6 h 16 min
